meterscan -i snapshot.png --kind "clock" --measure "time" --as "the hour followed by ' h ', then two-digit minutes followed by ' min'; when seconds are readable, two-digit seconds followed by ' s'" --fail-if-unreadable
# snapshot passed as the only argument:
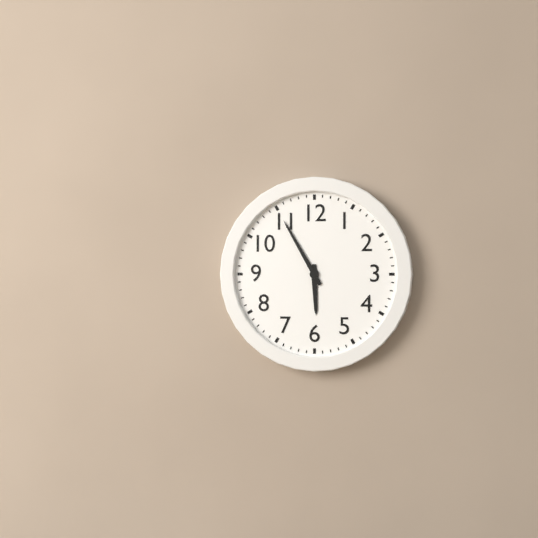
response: 5 h 55 min
